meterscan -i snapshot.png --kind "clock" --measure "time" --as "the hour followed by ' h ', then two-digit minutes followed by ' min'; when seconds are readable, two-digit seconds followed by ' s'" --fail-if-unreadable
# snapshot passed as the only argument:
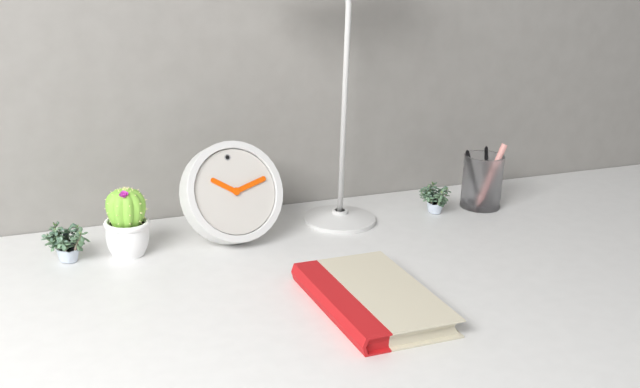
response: 10 h 13 min
